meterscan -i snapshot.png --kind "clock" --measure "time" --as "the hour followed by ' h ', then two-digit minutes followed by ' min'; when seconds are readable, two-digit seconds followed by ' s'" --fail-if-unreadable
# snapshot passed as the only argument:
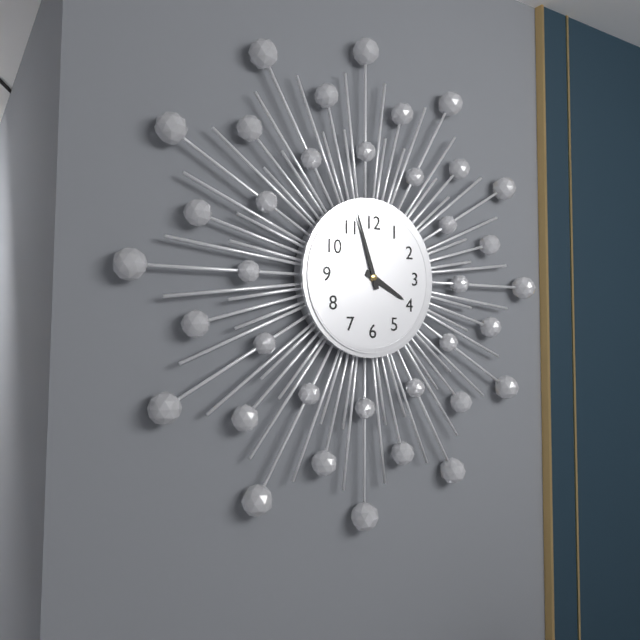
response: 3 h 57 min
